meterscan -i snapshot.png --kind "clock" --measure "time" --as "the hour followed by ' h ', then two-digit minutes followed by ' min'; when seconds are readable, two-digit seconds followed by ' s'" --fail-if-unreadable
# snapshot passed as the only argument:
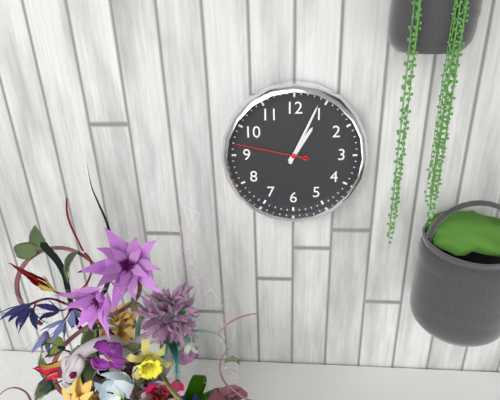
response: 1 h 04 min 47 s
